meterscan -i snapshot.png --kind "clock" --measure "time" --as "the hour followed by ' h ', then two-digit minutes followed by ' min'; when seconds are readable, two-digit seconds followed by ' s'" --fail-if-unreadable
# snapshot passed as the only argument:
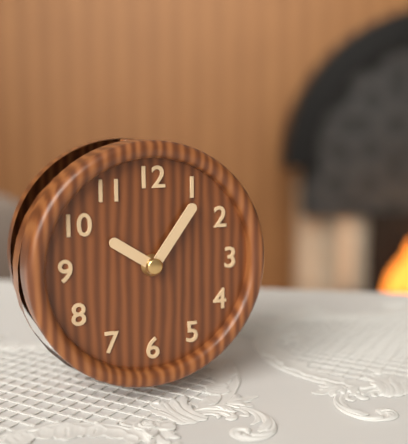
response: 10 h 06 min
